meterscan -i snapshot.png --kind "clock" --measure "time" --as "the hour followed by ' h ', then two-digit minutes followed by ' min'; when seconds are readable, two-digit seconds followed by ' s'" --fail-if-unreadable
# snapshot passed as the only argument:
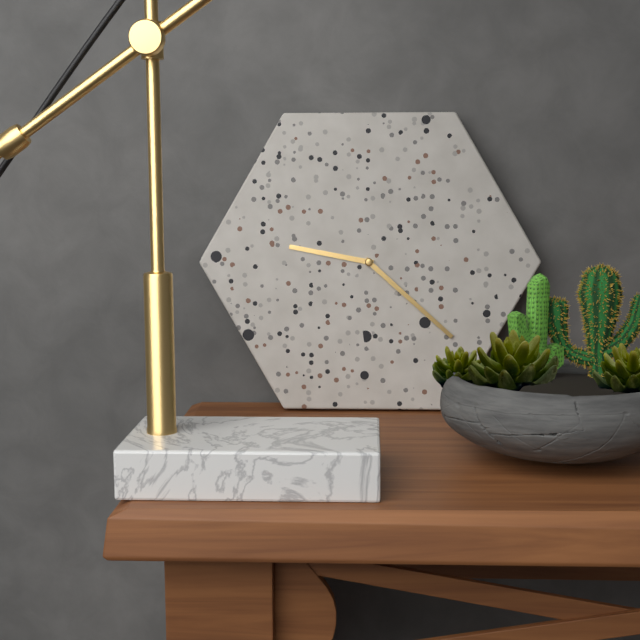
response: 9 h 22 min
